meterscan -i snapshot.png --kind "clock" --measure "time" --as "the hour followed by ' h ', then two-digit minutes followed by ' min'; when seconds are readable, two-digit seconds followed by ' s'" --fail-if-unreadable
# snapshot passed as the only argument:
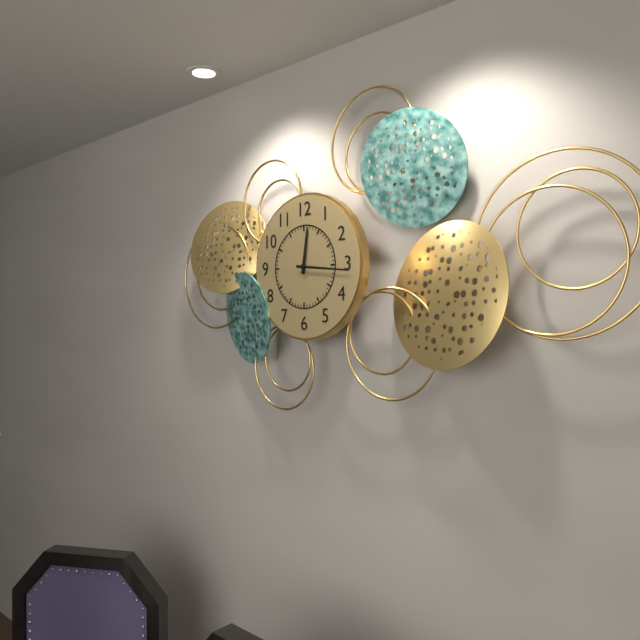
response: 12 h 16 min
